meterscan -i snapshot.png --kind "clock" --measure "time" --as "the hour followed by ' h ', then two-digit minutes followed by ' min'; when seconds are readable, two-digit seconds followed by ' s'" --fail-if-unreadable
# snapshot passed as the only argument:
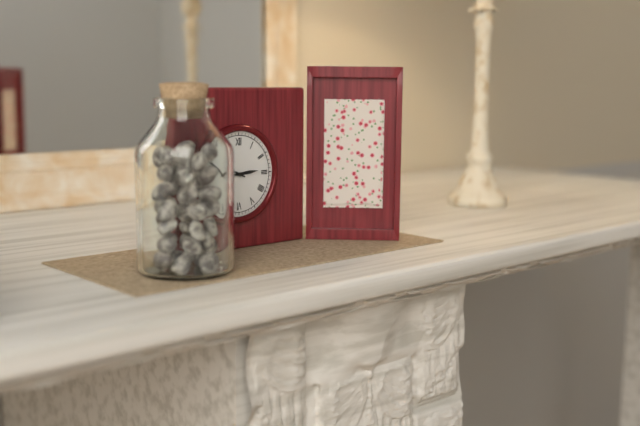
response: 2 h 49 min
